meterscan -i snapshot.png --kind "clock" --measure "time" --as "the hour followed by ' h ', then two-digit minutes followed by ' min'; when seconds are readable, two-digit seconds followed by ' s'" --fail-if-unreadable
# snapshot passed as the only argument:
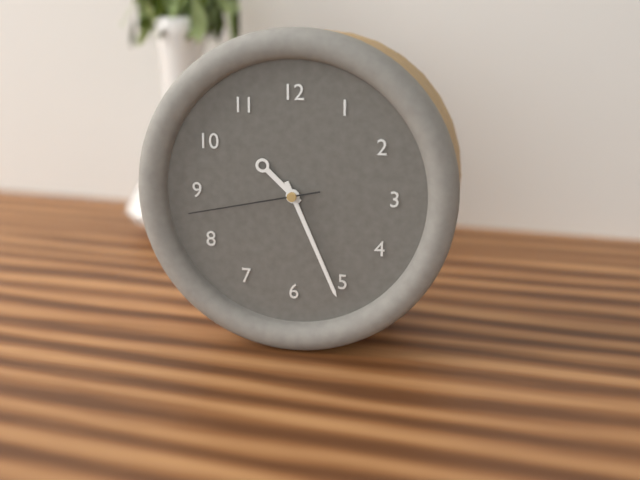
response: 10 h 26 min 43 s
